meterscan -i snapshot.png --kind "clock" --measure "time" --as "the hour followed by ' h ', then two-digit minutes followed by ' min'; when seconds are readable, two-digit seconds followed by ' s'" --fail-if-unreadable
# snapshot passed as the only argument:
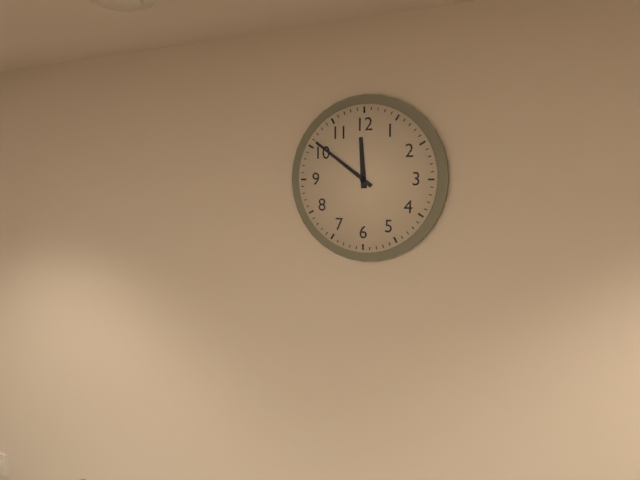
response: 11 h 51 min
